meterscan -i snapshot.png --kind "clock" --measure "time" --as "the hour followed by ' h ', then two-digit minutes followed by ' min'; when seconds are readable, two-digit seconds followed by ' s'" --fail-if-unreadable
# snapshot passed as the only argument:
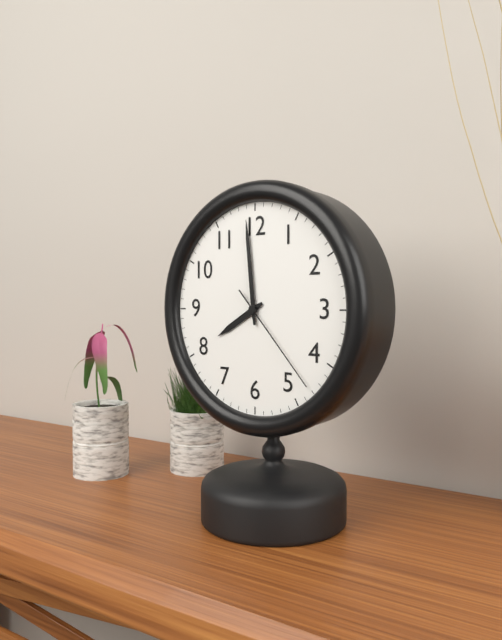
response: 7 h 59 min 23 s
